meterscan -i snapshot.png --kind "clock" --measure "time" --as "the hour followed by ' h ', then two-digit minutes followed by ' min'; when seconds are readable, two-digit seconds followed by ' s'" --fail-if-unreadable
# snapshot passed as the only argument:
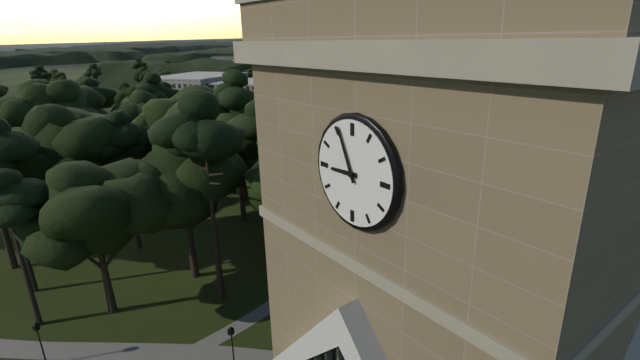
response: 8 h 56 min
